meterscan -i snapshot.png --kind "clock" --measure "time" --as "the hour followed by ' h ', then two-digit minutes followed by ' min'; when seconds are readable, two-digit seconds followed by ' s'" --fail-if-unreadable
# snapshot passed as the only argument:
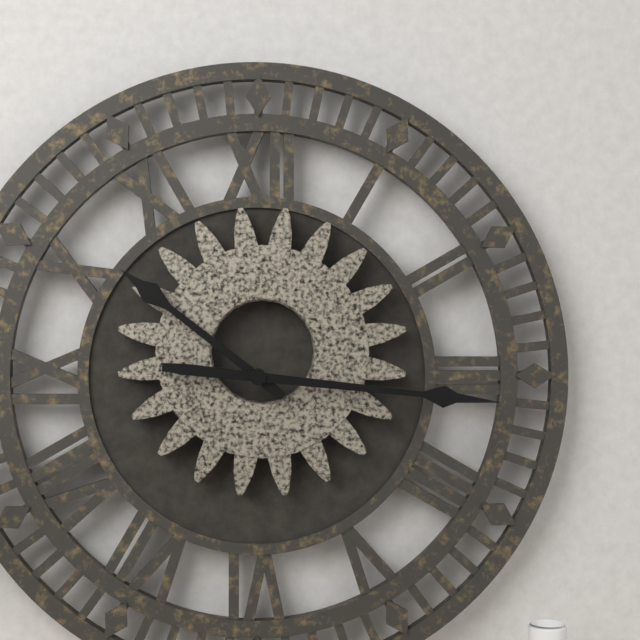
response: 10 h 16 min
